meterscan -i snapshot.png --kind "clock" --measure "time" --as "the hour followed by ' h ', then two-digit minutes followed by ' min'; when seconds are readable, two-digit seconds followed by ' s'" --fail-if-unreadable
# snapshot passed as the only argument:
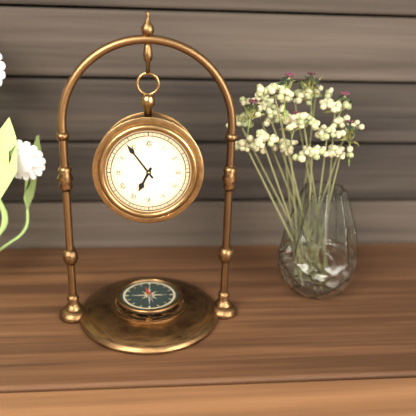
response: 6 h 54 min
